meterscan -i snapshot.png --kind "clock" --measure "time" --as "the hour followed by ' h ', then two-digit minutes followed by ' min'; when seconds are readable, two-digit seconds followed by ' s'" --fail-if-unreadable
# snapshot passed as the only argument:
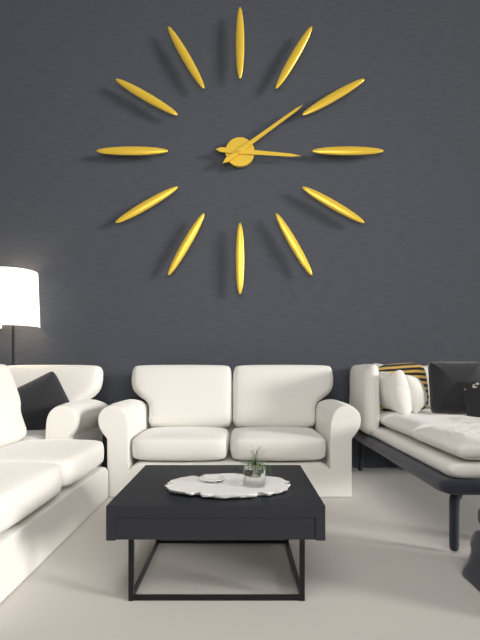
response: 3 h 09 min
